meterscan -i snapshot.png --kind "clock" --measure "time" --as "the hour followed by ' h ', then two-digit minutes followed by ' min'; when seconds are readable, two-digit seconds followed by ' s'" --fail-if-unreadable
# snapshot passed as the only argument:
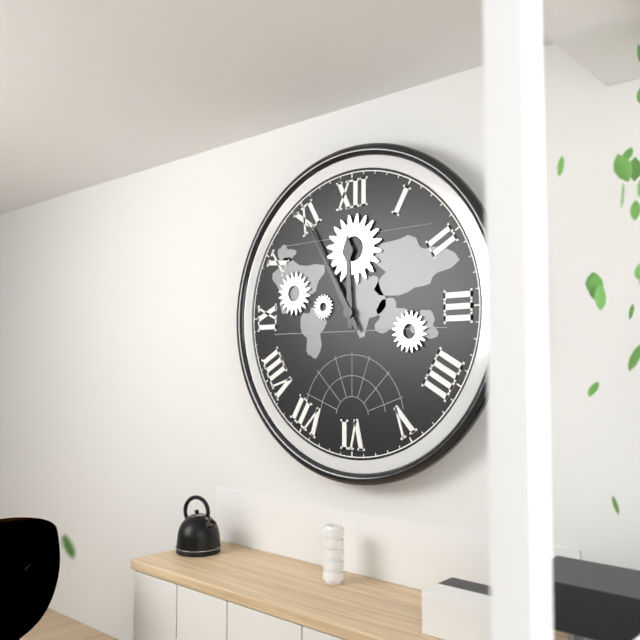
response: 11 h 55 min
